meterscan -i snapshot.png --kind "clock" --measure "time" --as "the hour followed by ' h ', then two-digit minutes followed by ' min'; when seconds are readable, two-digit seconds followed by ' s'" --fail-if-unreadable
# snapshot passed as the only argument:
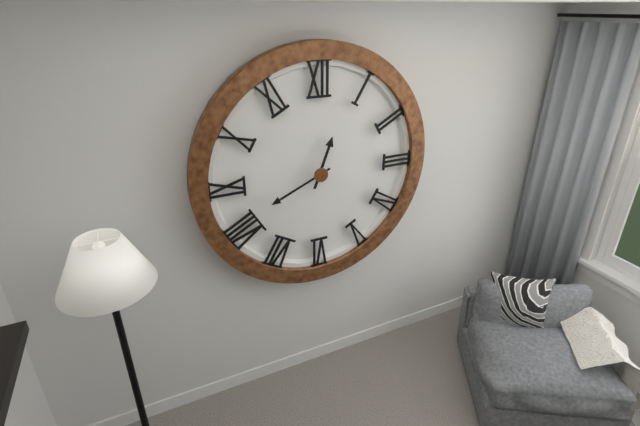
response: 12 h 41 min
